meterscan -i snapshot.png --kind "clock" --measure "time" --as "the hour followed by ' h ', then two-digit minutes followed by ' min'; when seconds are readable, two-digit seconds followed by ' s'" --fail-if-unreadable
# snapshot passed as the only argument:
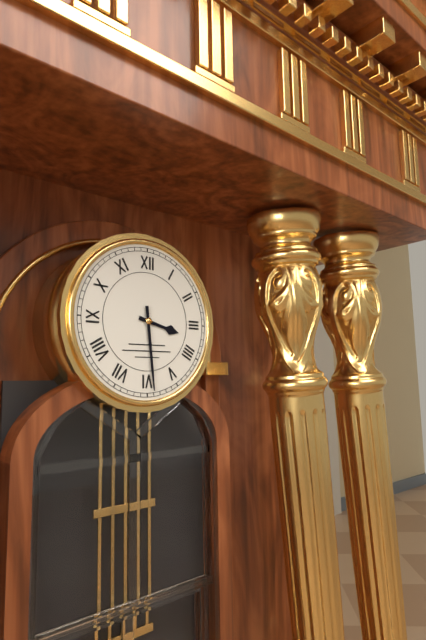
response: 3 h 29 min
